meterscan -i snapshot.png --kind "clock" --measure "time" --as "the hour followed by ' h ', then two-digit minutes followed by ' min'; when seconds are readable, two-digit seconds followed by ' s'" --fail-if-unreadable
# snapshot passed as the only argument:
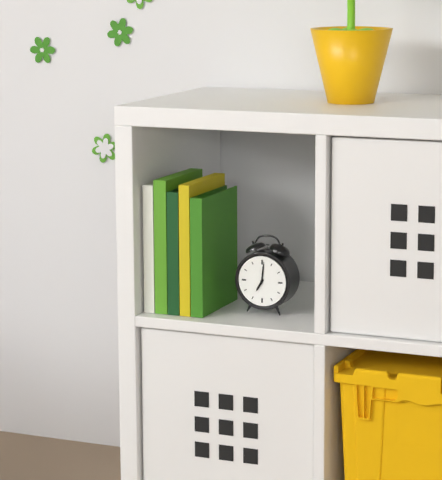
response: 7 h 01 min
